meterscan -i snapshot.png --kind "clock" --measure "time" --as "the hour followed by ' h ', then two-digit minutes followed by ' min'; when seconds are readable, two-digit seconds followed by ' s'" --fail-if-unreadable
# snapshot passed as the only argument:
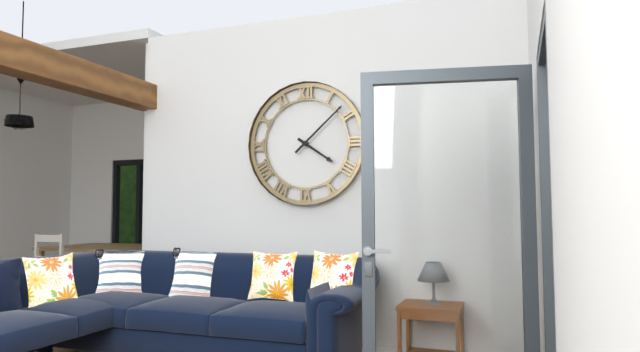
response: 4 h 08 min
